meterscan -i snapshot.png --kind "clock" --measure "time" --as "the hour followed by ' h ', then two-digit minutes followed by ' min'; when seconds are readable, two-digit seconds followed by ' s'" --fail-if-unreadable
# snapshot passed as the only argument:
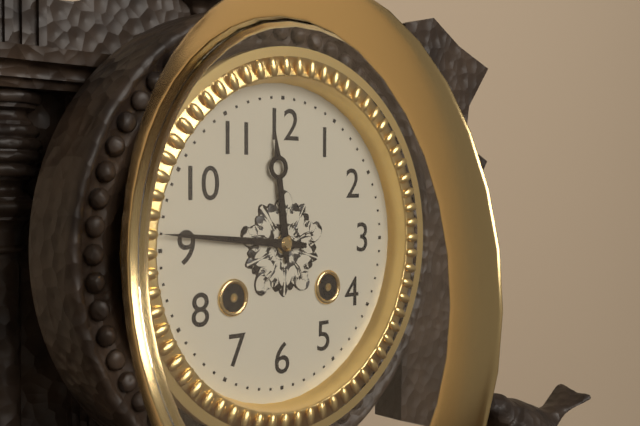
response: 11 h 46 min
